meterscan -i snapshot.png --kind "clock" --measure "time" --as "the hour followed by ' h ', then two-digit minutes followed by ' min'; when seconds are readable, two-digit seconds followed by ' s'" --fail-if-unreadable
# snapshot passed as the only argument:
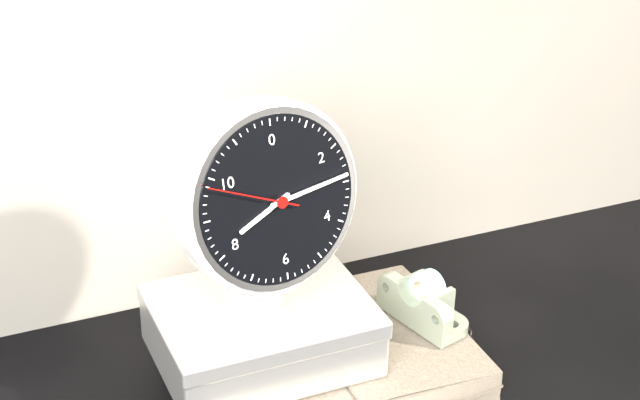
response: 8 h 14 min 49 s
